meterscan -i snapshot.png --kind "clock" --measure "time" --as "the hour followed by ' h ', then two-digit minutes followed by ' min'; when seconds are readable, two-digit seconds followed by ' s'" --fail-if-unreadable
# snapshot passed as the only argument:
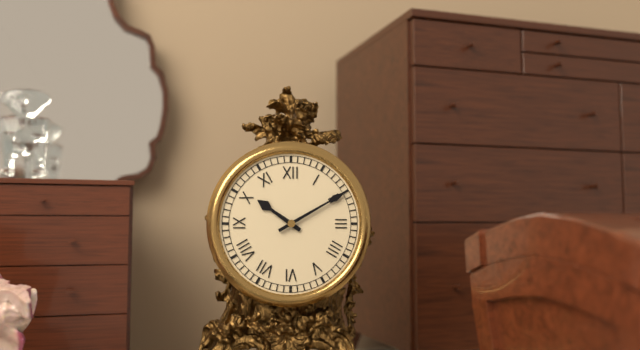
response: 10 h 10 min
